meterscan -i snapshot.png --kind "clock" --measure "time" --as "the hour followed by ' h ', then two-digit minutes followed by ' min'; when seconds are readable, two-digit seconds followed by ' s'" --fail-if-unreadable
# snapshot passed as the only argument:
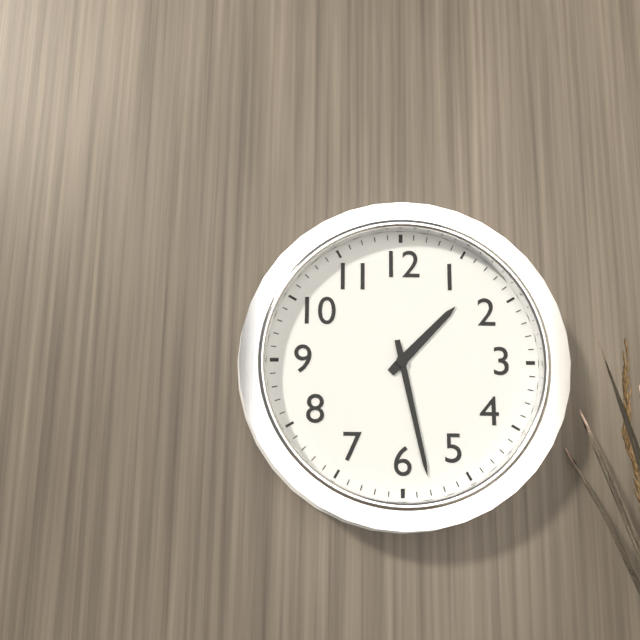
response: 1 h 28 min
